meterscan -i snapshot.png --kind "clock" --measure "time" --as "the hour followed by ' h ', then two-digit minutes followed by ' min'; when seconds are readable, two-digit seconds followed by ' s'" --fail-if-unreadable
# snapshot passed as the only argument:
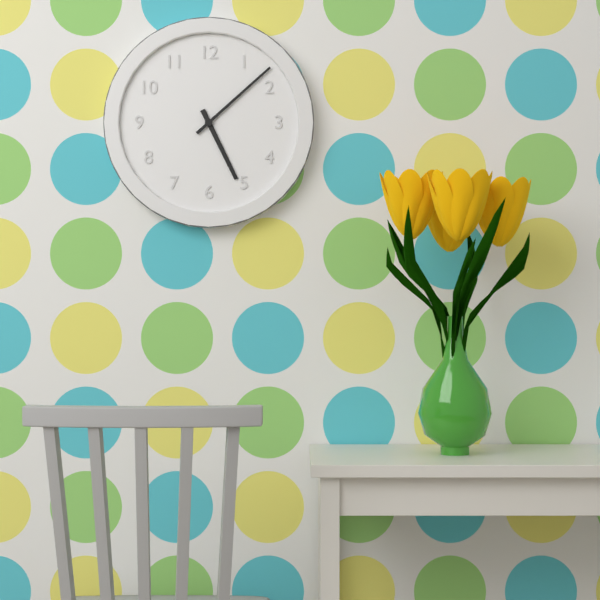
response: 5 h 08 min
